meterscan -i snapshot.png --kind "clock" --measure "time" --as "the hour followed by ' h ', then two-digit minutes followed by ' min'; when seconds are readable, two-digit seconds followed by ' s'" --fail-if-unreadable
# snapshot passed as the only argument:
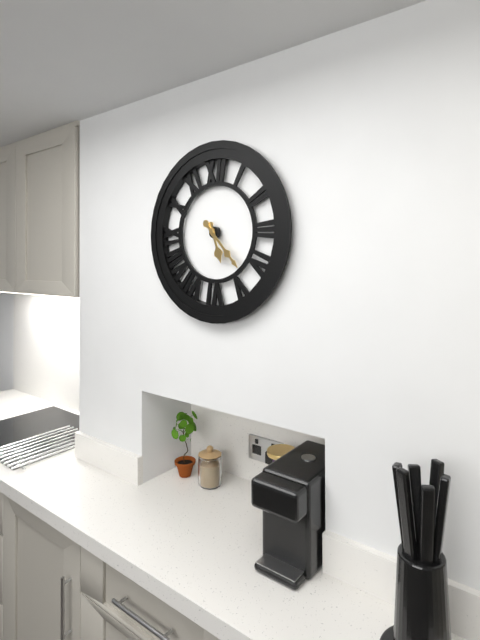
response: 5 h 23 min
